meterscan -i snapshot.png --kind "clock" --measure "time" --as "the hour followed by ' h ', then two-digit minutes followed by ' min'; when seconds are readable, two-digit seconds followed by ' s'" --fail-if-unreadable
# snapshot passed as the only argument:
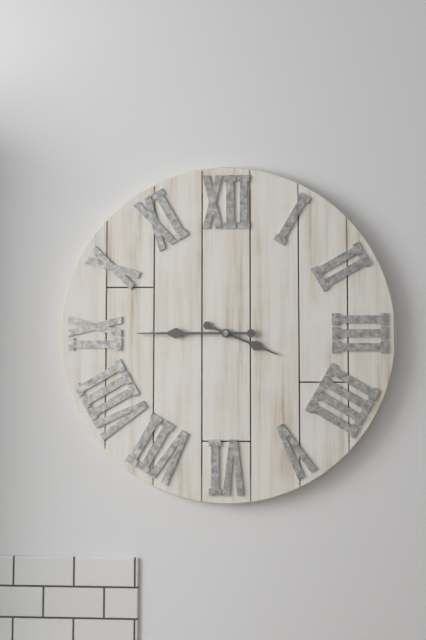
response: 3 h 45 min
